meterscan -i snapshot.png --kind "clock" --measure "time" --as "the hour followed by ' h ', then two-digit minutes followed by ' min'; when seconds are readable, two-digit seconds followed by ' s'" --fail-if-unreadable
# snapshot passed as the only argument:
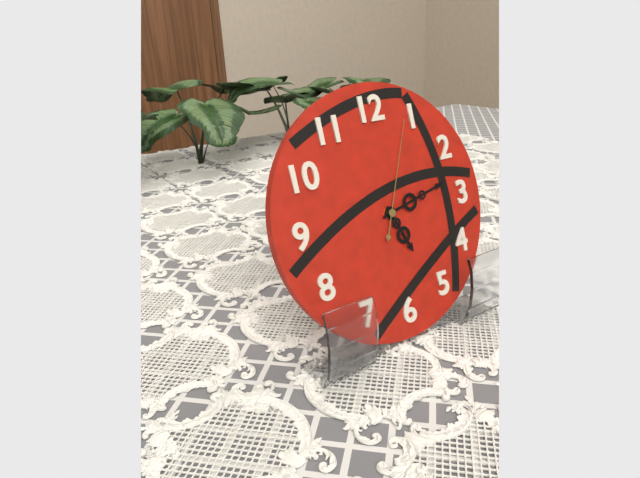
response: 5 h 13 min 04 s
